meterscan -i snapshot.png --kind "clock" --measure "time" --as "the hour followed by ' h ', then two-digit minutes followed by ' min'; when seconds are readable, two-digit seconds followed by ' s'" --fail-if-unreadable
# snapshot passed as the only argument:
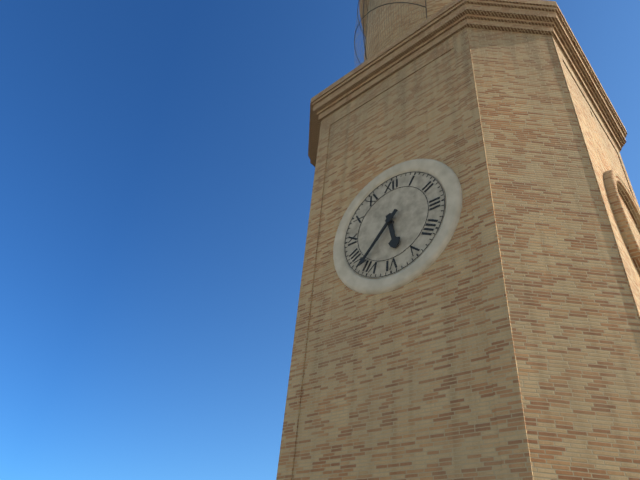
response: 5 h 37 min
